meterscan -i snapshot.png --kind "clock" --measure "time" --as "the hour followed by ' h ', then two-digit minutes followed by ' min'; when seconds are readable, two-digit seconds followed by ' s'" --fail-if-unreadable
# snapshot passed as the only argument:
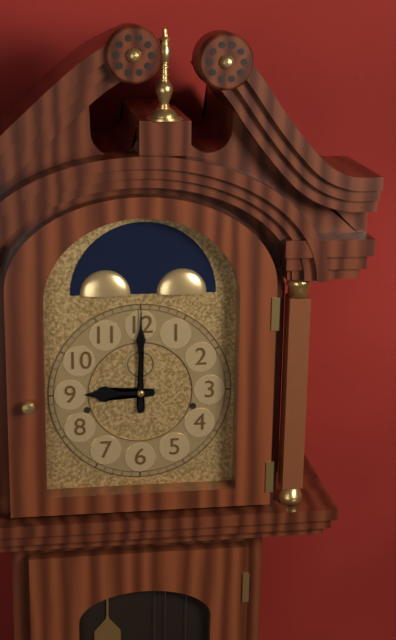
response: 9 h 00 min
